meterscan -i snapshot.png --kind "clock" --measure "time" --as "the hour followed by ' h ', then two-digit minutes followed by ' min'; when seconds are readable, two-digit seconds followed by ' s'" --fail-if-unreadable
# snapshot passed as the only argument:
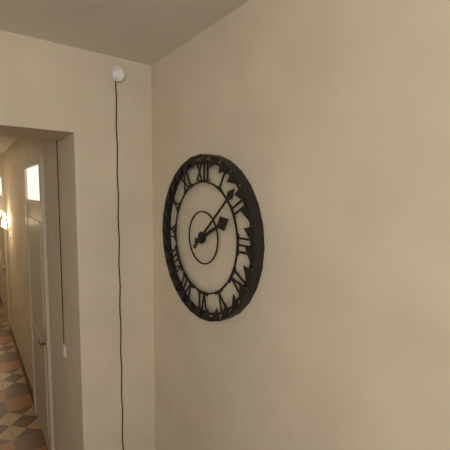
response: 2 h 08 min
